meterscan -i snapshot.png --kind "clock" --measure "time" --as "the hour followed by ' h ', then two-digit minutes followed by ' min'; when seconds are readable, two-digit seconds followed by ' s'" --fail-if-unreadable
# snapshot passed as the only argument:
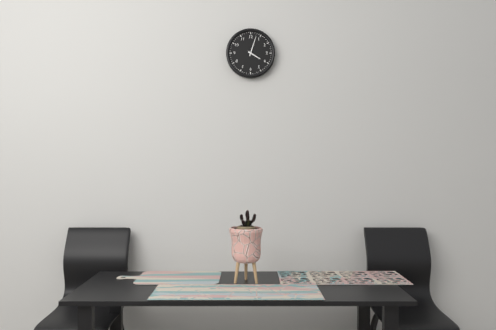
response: 4 h 03 min
